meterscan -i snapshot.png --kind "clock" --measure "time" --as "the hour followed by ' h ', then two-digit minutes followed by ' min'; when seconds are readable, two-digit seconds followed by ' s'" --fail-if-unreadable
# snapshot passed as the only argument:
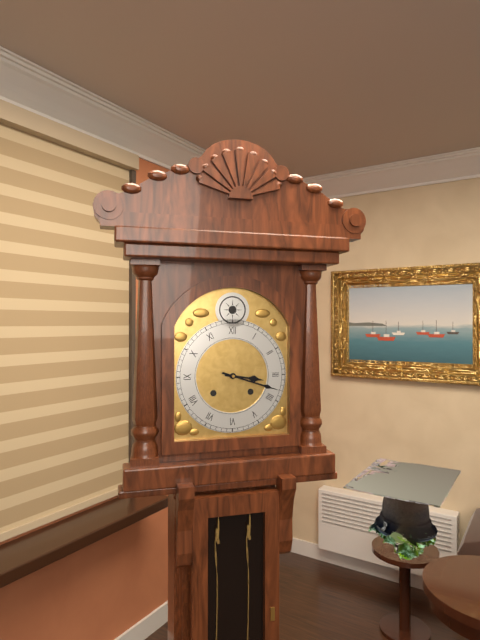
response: 3 h 18 min
